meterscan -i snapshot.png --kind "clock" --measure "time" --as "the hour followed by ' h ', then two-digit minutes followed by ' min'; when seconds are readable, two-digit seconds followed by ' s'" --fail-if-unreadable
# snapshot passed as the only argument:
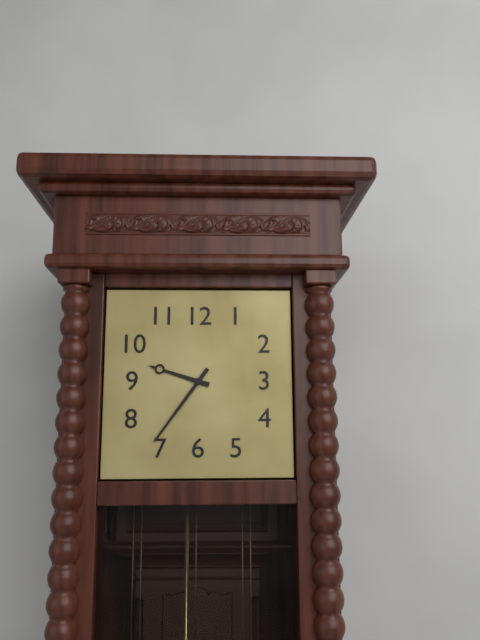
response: 9 h 36 min
